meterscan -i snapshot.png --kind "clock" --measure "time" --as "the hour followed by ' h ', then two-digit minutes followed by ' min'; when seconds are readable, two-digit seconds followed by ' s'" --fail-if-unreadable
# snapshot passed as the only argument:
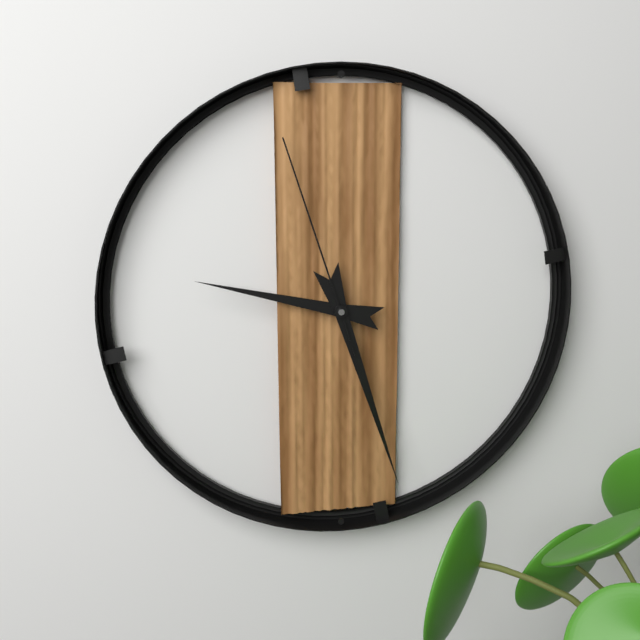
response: 9 h 27 min 57 s
